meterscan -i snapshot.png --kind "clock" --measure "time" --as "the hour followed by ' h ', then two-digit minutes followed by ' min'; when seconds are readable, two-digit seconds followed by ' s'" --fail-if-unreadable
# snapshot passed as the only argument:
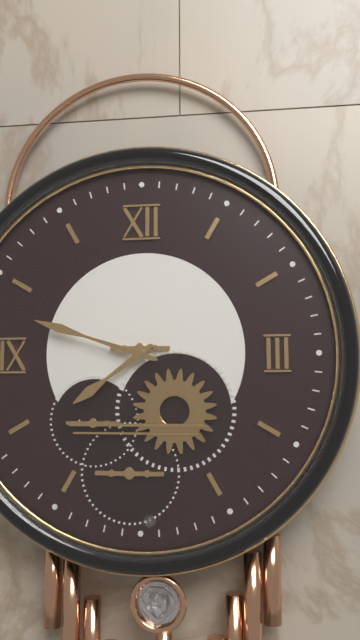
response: 7 h 48 min
